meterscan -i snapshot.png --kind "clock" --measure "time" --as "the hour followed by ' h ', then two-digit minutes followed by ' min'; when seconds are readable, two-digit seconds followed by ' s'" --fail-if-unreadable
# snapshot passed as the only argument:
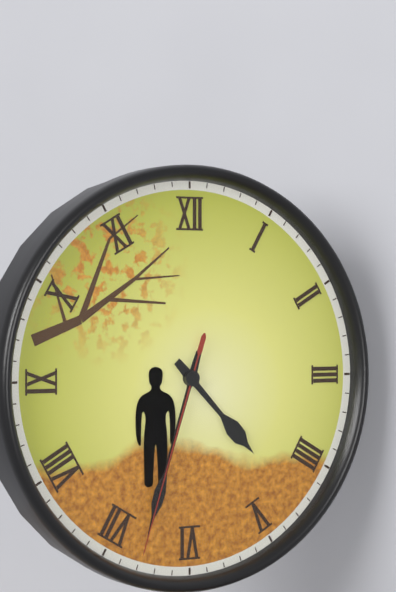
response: 4 h 33 min 33 s
